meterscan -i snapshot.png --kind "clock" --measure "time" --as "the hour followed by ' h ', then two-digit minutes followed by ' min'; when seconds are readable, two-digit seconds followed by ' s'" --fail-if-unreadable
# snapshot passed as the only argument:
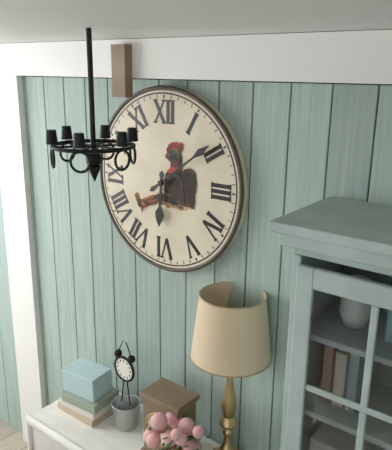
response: 6 h 09 min
